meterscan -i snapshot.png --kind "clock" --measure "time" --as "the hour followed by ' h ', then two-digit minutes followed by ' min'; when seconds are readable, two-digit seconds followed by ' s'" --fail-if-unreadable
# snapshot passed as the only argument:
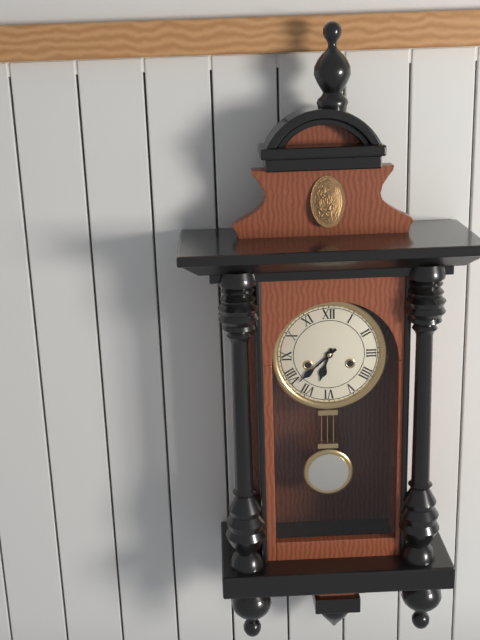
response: 6 h 38 min
